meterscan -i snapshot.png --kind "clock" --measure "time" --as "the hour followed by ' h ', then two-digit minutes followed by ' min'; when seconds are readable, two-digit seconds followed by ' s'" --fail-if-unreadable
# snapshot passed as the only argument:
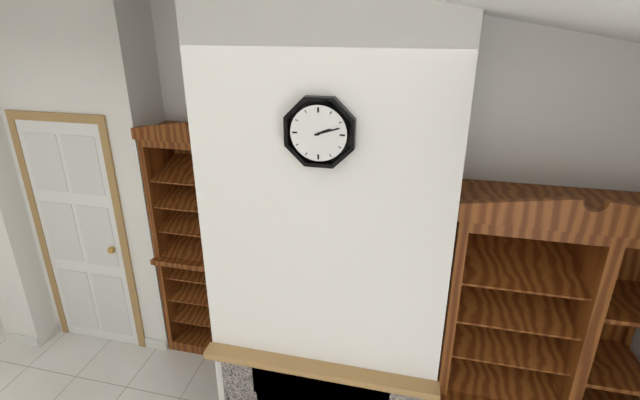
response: 2 h 12 min
